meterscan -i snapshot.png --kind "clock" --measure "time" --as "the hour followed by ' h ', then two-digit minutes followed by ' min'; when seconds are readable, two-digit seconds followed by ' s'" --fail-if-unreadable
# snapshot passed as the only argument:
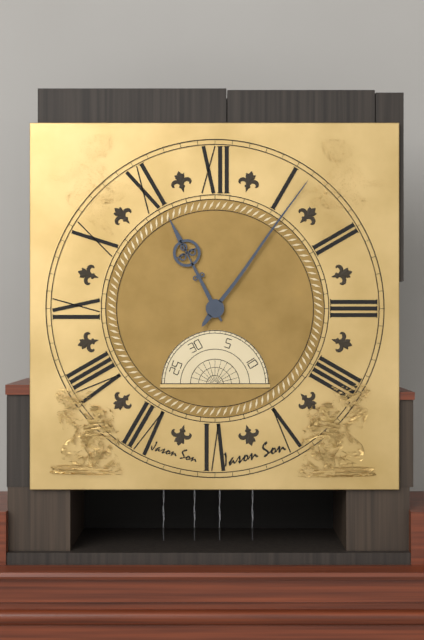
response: 11 h 06 min
